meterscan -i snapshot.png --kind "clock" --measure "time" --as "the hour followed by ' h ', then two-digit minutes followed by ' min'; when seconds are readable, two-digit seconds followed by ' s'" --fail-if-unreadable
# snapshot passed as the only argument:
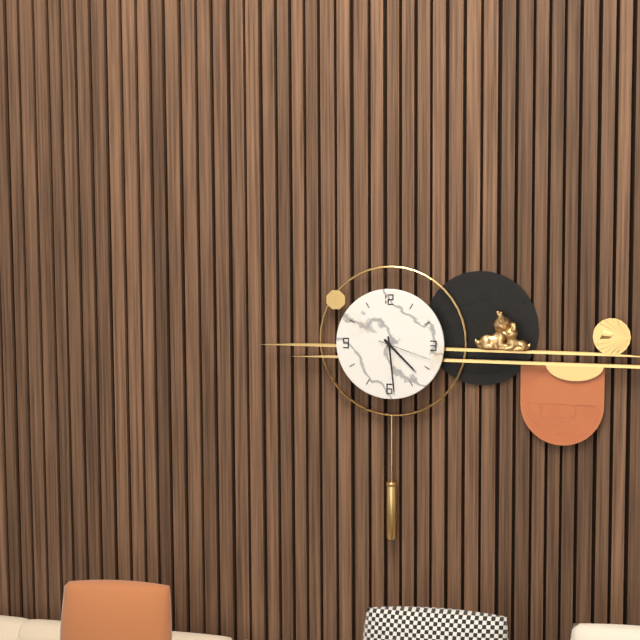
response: 4 h 29 min 18 s
